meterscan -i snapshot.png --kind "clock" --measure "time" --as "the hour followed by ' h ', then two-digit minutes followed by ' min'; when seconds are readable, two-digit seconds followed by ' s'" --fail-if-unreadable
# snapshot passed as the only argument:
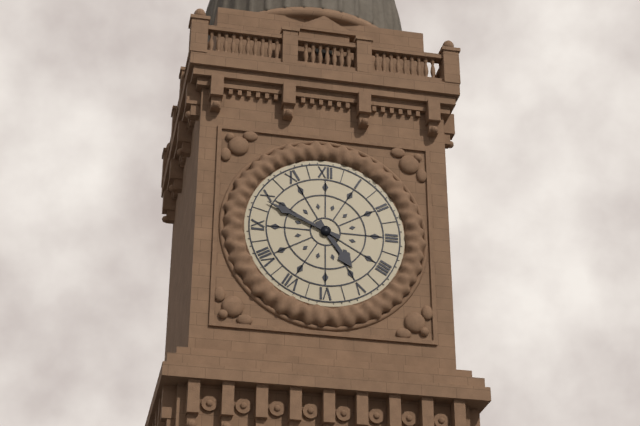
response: 4 h 49 min
